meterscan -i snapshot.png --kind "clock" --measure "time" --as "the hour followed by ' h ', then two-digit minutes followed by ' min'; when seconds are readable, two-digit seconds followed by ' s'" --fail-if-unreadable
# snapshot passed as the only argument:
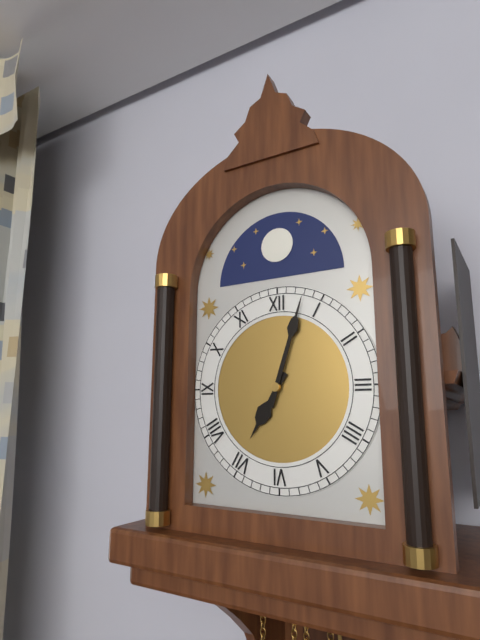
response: 7 h 03 min
